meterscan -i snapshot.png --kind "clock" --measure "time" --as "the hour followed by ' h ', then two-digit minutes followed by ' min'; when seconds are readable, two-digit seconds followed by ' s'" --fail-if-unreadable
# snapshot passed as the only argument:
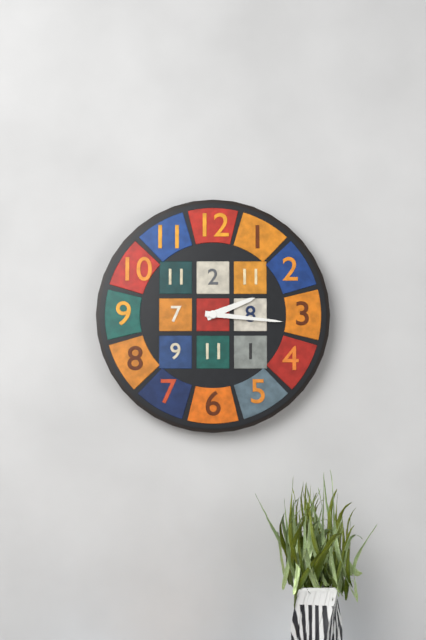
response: 2 h 16 min
